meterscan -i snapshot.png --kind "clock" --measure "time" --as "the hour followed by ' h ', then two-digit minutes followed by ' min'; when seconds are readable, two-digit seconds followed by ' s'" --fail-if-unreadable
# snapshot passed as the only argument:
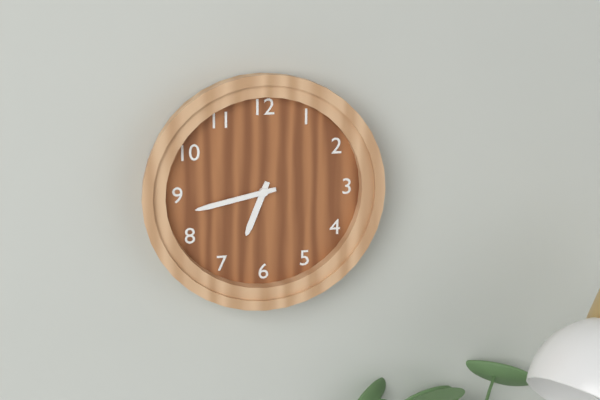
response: 6 h 43 min
